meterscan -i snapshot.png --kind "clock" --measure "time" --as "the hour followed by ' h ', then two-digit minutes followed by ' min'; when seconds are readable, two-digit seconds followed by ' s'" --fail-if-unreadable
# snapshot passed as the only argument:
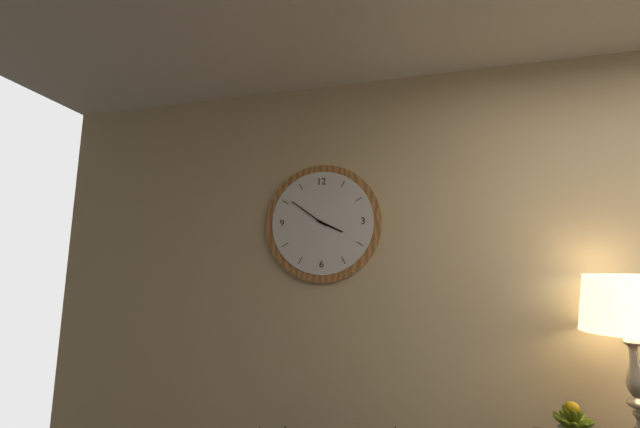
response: 3 h 51 min
